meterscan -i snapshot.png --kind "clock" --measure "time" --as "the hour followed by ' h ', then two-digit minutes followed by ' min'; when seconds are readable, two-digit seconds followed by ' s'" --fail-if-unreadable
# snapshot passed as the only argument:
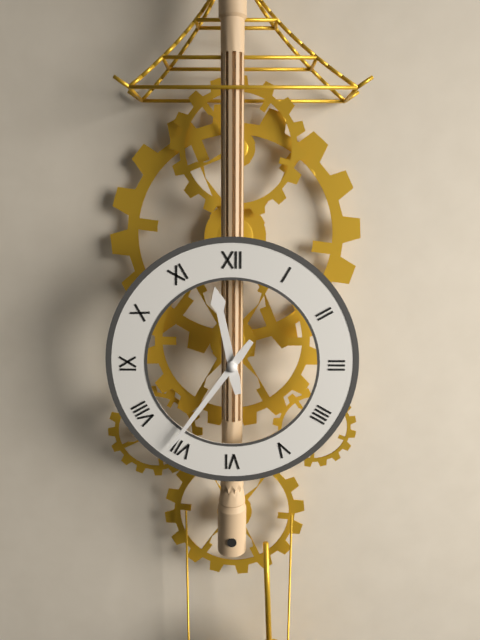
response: 11 h 36 min
